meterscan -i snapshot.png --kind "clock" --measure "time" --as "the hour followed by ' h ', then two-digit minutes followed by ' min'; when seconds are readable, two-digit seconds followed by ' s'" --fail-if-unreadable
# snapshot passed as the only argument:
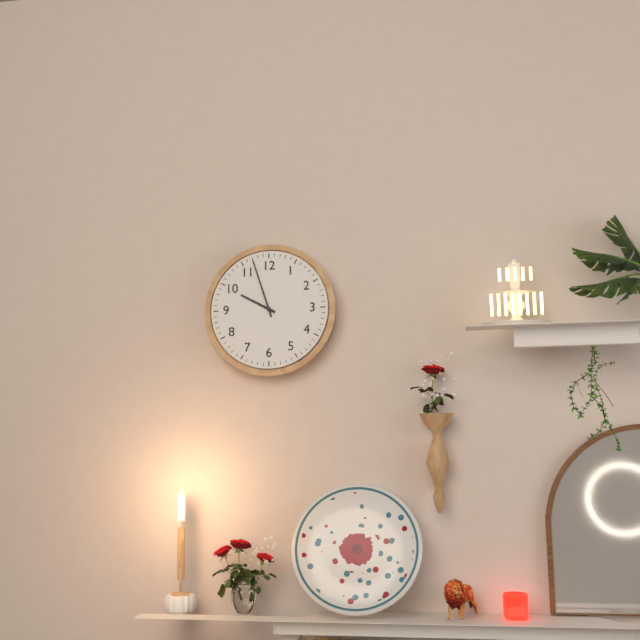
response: 9 h 57 min
